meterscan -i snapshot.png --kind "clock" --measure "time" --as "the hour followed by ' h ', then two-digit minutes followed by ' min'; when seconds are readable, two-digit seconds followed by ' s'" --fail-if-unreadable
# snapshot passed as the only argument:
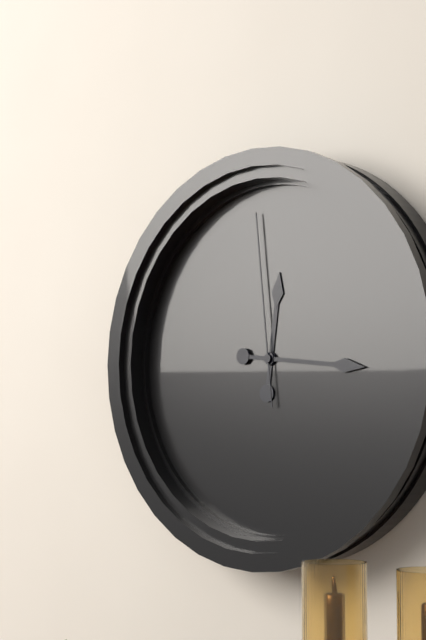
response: 12 h 16 min 59 s
